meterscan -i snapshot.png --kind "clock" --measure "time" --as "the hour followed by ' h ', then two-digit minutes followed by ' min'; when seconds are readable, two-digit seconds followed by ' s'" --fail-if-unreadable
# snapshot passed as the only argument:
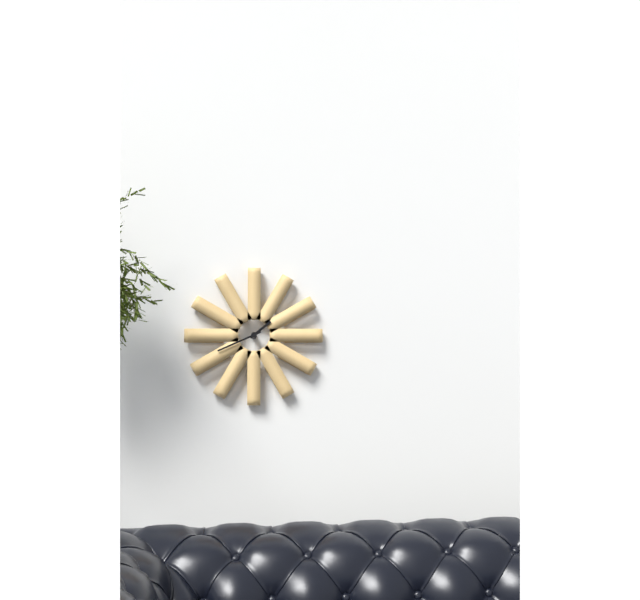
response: 1 h 41 min
